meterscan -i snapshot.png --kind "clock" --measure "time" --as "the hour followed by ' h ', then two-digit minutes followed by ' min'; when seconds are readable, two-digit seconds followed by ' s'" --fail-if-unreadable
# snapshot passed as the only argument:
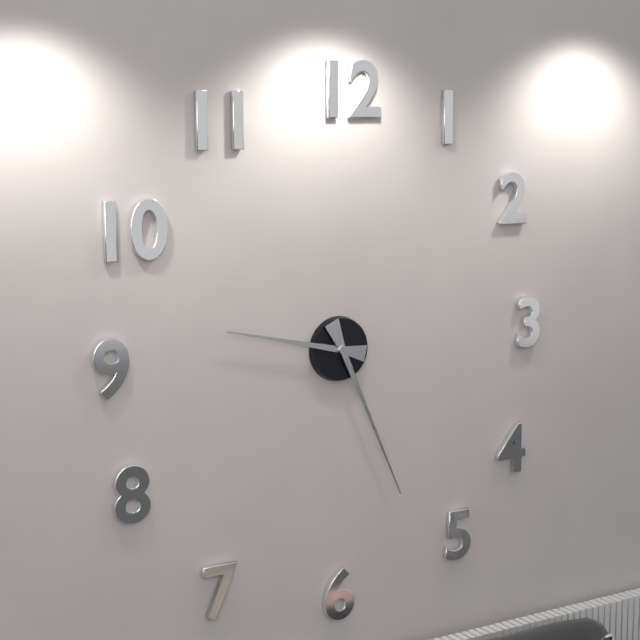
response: 9 h 26 min
